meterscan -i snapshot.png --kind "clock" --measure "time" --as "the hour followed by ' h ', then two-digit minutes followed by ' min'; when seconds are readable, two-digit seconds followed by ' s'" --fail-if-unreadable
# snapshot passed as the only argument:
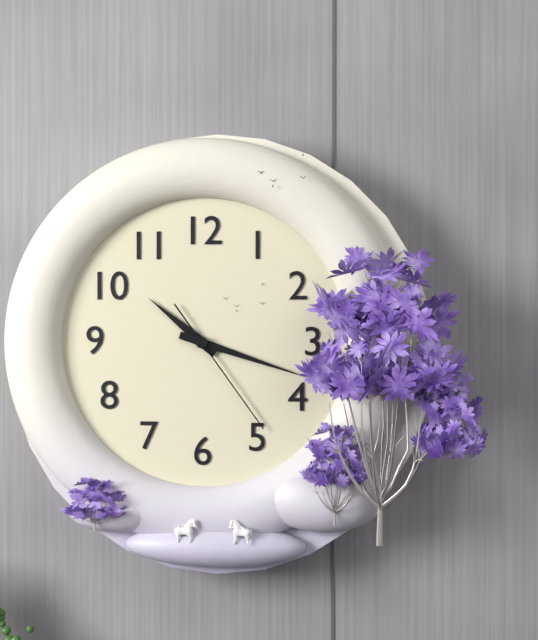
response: 10 h 18 min 24 s
